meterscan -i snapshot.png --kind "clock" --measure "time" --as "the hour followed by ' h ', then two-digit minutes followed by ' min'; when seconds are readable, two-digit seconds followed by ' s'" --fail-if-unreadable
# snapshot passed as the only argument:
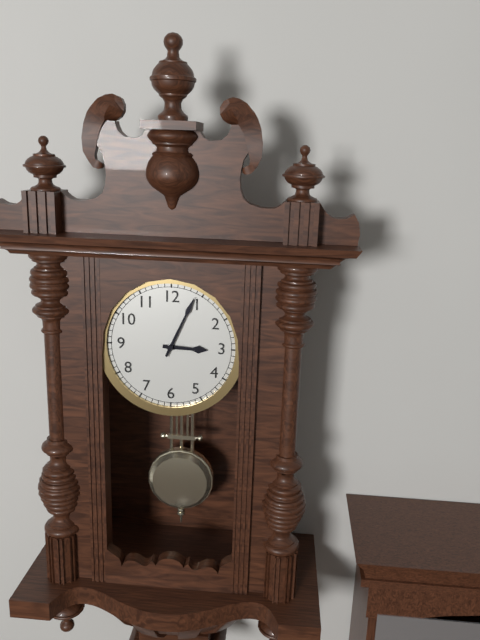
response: 3 h 04 min
